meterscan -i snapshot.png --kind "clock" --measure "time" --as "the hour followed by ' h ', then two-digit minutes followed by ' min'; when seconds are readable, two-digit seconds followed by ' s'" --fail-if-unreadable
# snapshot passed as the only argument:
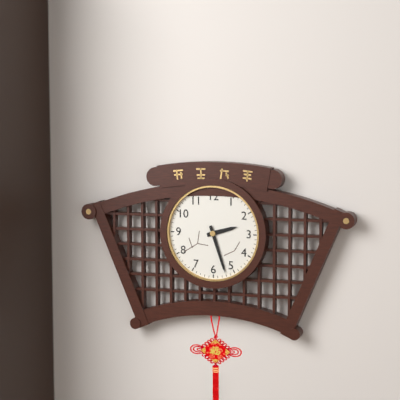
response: 2 h 27 min
